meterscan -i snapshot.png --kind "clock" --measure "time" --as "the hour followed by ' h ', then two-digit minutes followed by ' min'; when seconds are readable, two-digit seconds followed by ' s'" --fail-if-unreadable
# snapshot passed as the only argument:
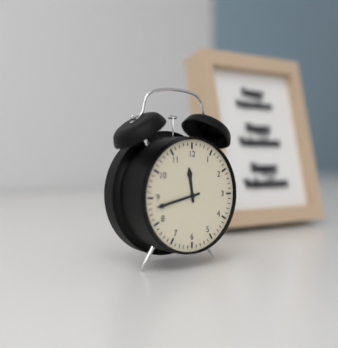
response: 11 h 43 min
